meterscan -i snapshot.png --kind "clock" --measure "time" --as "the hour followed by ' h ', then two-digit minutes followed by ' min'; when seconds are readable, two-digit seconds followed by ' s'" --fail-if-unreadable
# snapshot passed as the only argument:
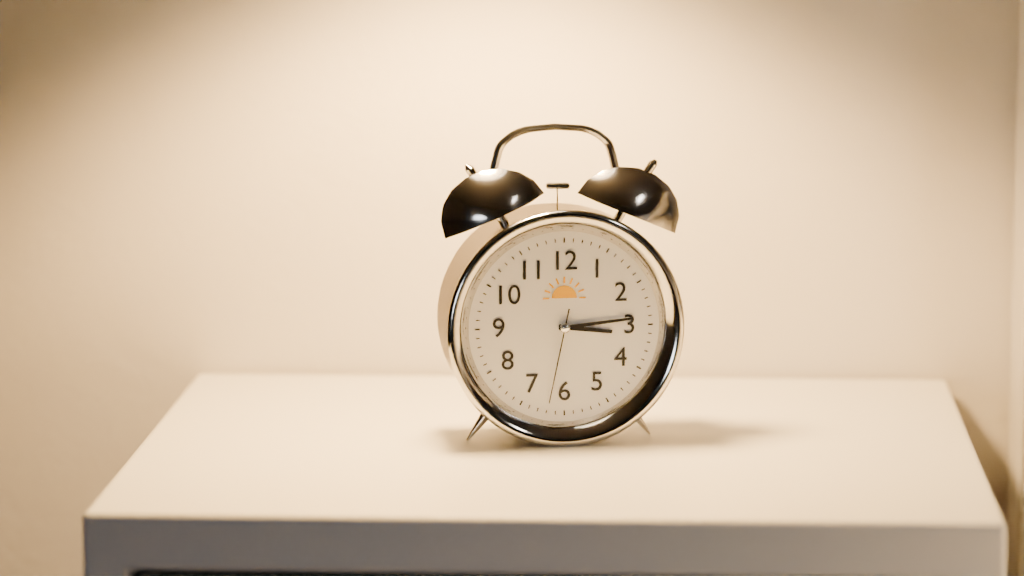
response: 3 h 14 min 32 s
